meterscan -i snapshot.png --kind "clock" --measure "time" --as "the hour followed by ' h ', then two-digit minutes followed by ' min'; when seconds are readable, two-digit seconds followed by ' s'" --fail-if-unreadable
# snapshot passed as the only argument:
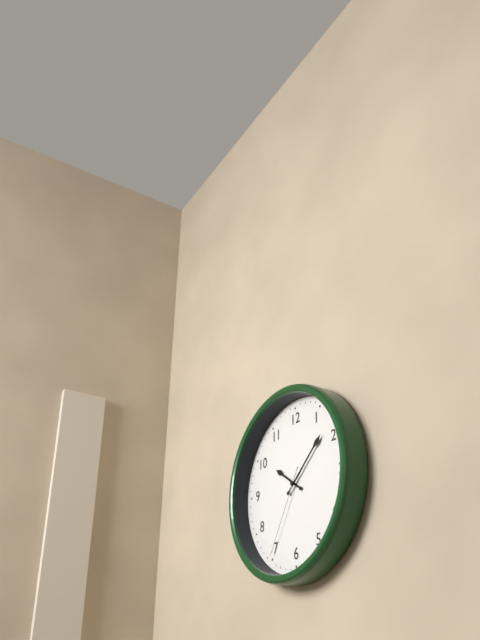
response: 10 h 08 min 35 s
